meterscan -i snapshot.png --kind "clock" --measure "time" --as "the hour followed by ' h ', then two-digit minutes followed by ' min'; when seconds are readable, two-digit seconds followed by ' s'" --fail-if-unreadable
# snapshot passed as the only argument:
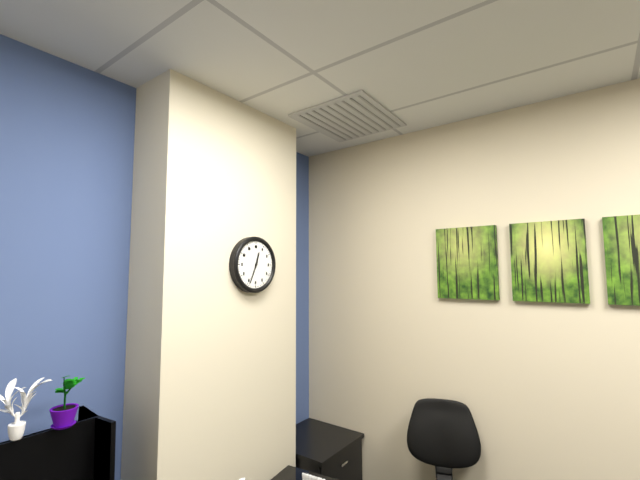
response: 12 h 34 min
